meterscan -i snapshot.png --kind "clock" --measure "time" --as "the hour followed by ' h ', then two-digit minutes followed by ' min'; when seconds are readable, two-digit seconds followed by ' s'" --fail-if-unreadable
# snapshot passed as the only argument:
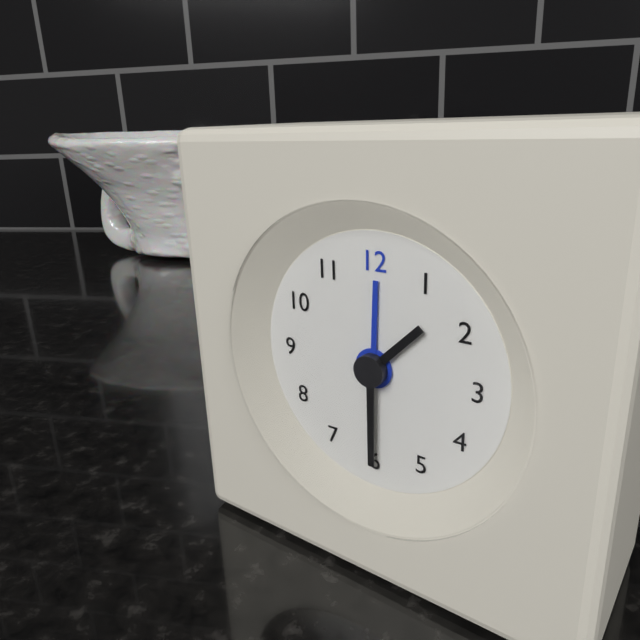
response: 1 h 30 min
